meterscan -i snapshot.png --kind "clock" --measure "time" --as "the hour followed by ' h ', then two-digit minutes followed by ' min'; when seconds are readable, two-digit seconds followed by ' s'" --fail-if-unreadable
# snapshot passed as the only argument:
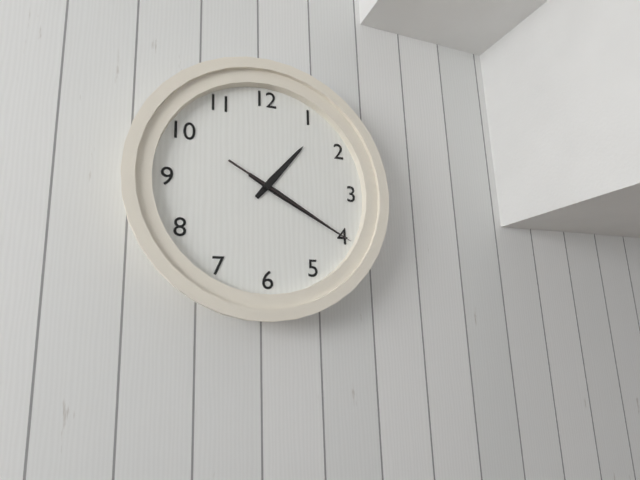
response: 1 h 20 min 20 s
